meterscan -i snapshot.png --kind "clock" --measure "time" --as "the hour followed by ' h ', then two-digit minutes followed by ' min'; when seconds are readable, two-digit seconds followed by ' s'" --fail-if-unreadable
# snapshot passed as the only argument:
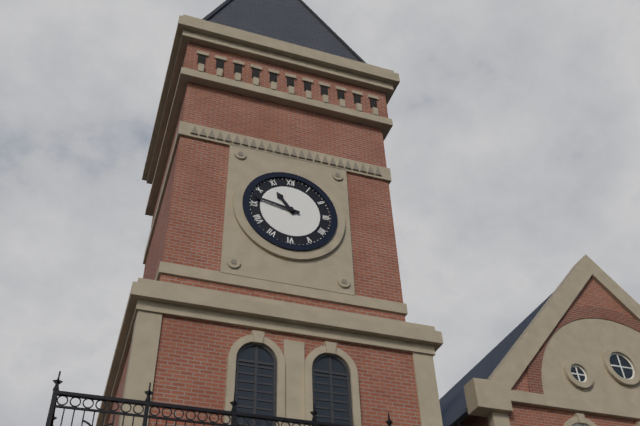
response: 10 h 47 min
